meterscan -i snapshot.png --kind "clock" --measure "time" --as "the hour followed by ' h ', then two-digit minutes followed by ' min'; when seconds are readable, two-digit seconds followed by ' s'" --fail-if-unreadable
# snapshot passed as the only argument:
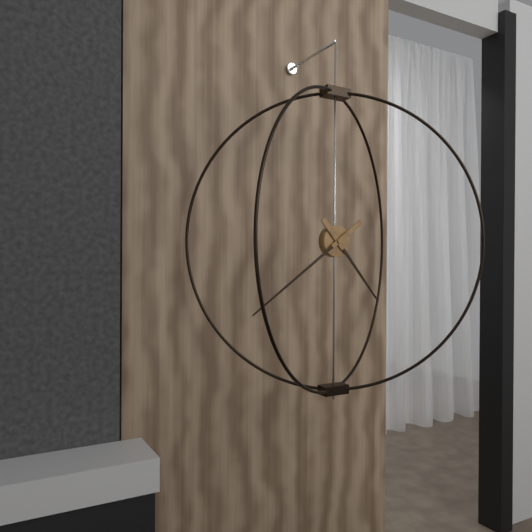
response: 4 h 39 min
